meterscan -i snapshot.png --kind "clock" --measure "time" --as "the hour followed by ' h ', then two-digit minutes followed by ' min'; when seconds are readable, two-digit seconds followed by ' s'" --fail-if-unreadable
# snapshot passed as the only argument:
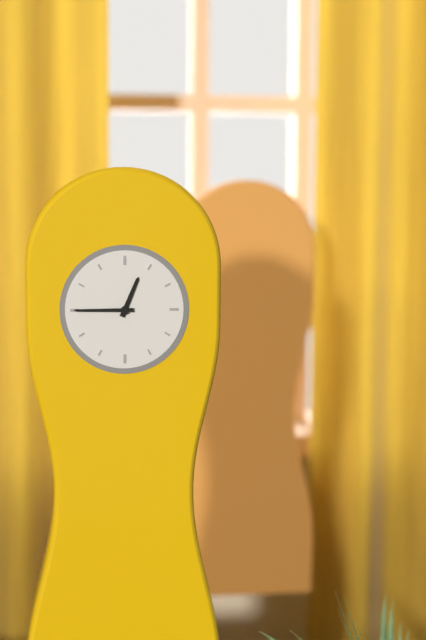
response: 12 h 45 min
